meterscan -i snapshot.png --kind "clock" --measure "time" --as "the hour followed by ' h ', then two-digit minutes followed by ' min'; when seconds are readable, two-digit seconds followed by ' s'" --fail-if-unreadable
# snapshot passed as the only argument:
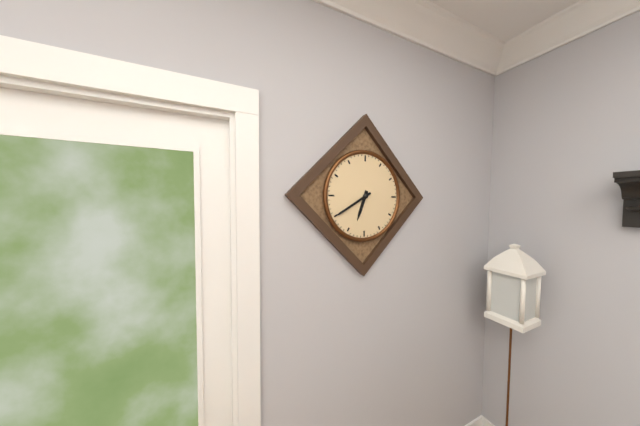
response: 6 h 40 min
